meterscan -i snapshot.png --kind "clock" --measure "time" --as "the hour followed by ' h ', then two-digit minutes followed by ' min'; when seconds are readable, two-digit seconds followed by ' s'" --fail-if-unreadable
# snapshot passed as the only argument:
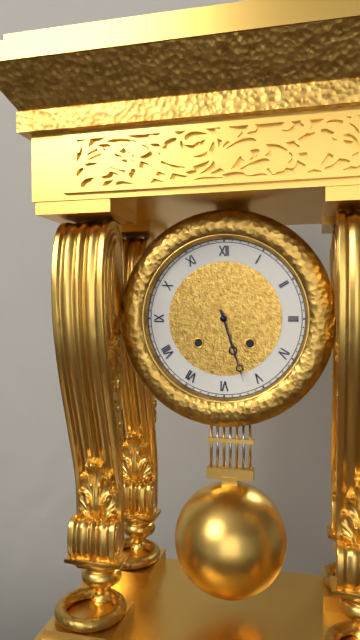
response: 5 h 27 min
